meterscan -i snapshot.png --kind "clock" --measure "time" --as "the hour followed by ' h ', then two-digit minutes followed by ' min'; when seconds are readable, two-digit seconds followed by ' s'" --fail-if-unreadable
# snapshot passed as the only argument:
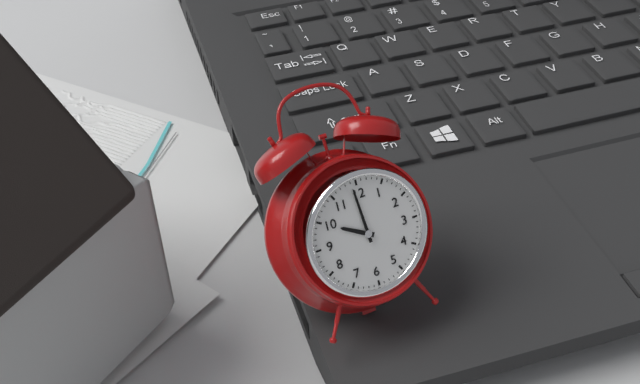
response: 9 h 59 min
